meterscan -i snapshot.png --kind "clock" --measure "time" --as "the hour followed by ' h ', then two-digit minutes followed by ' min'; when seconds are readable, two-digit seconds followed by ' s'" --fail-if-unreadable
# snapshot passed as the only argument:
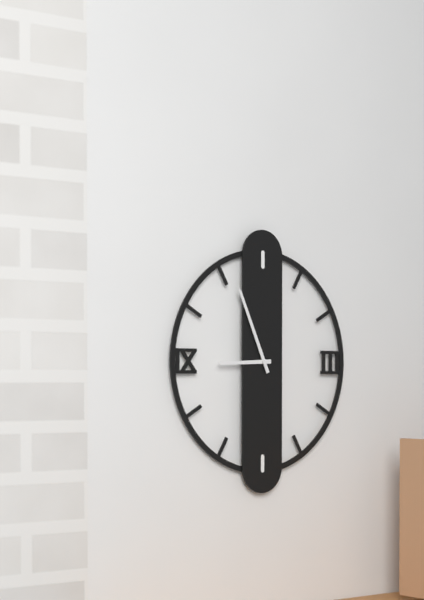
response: 8 h 56 min
